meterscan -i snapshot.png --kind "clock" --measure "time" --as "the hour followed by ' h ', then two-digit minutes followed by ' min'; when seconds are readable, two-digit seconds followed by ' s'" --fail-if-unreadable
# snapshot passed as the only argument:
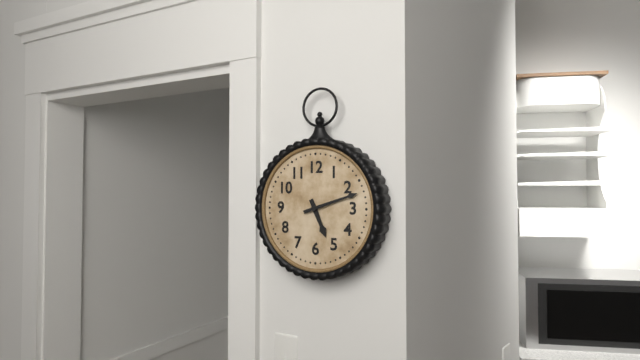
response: 5 h 12 min
